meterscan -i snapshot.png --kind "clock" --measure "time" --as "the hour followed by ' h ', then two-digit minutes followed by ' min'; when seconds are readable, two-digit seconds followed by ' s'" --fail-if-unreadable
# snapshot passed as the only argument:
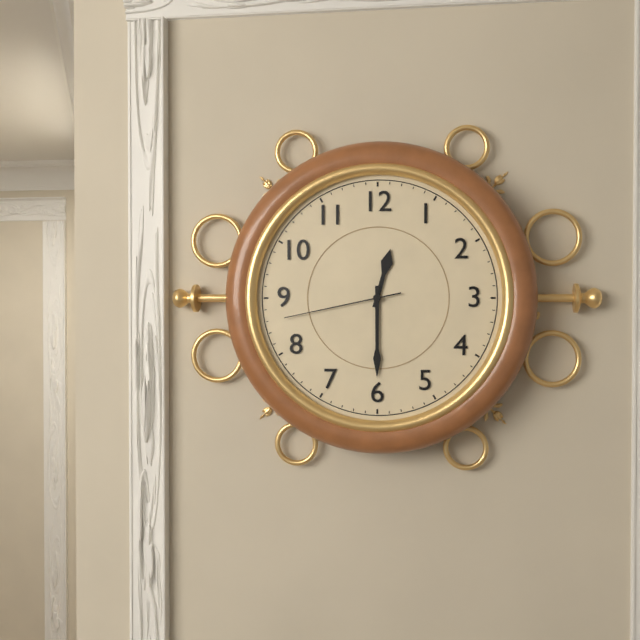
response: 12 h 30 min 43 s
